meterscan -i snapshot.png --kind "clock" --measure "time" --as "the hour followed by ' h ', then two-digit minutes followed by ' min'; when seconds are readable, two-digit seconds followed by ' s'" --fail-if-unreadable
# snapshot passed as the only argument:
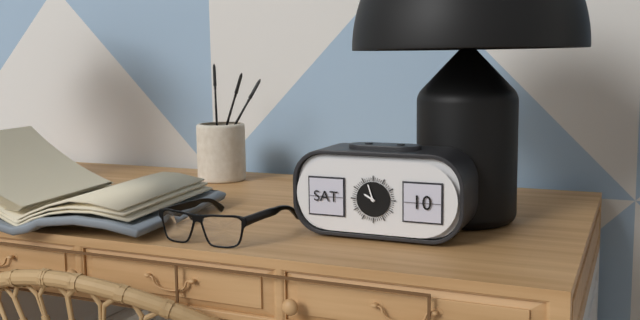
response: 9 h 57 min
